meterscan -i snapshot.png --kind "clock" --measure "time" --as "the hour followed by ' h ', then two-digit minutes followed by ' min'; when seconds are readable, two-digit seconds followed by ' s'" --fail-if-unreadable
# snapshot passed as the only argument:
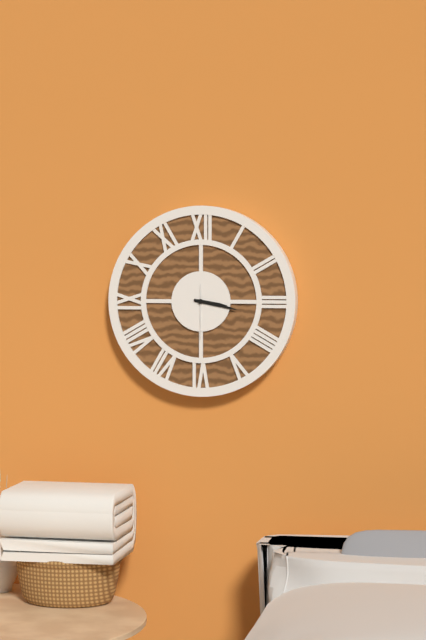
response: 3 h 17 min
